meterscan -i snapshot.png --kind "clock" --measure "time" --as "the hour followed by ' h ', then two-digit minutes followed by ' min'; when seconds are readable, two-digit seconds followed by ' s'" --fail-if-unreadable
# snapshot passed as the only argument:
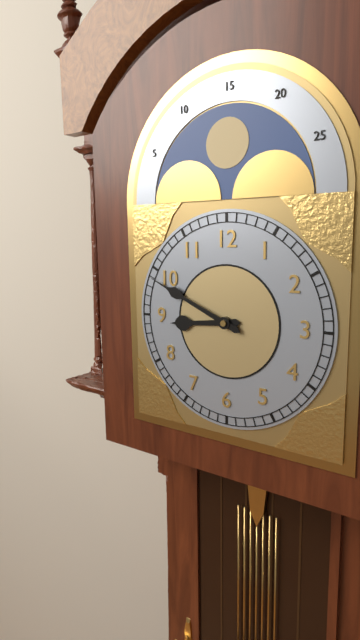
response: 8 h 49 min
